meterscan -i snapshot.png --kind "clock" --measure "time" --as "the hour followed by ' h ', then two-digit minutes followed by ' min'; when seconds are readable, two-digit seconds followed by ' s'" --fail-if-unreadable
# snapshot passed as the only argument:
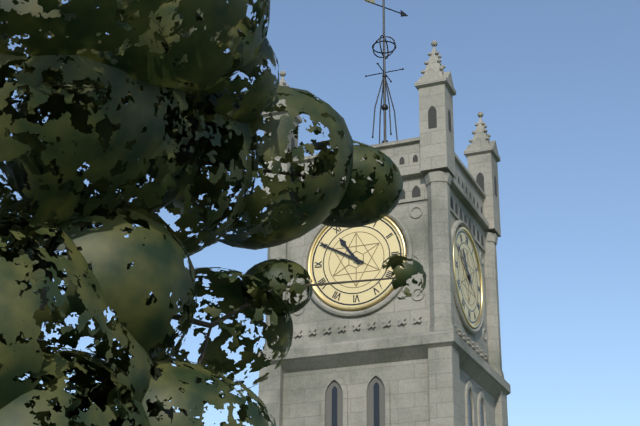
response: 10 h 50 min
